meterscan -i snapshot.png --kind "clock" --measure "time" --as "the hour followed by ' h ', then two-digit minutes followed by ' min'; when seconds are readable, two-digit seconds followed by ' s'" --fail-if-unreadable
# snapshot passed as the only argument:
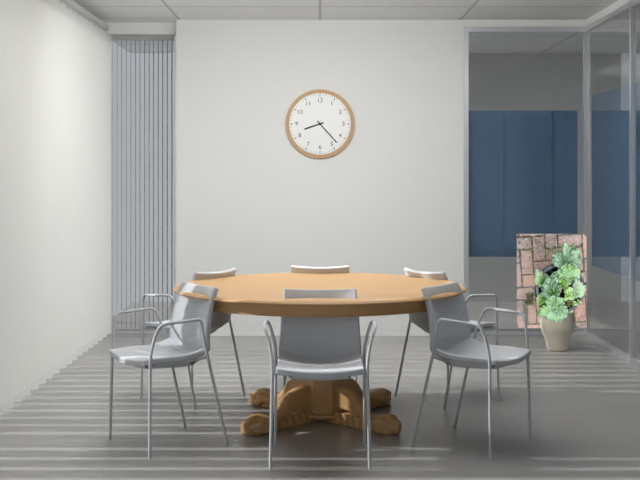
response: 8 h 23 min
